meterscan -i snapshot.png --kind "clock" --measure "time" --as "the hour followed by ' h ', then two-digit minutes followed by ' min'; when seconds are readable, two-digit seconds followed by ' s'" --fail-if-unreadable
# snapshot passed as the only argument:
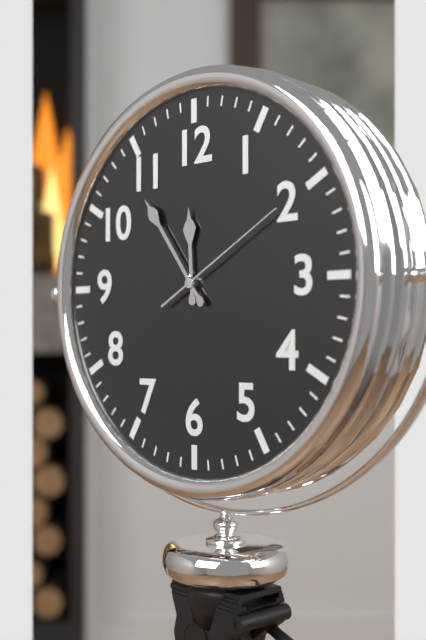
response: 11 h 54 min 10 s
